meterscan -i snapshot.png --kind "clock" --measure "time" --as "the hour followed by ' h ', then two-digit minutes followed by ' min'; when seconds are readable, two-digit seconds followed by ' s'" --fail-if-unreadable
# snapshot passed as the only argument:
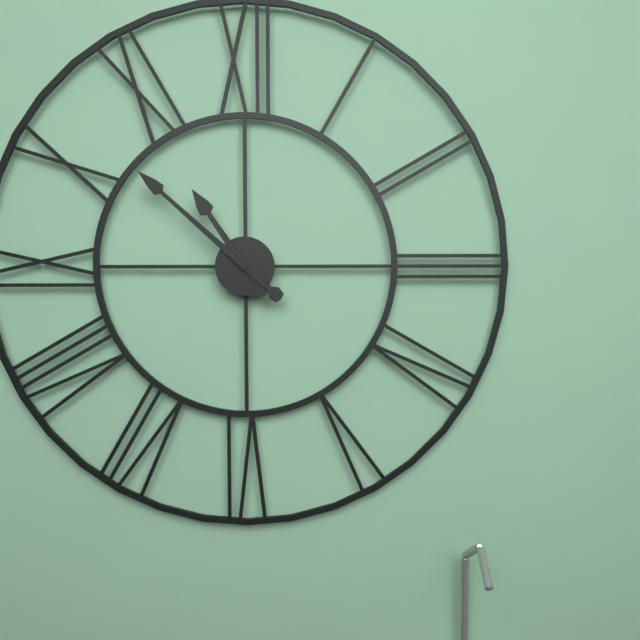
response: 10 h 52 min
